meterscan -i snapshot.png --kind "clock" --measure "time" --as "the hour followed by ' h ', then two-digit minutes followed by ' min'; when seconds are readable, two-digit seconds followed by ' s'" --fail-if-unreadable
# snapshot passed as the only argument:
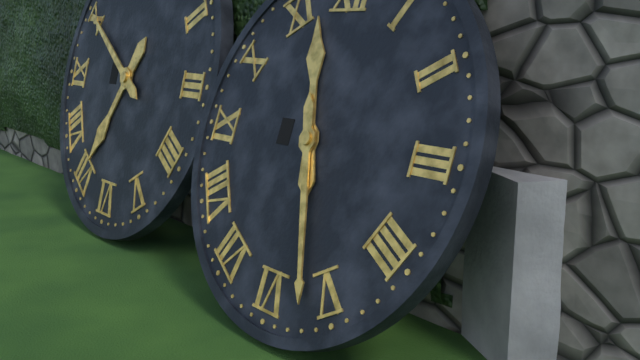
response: 11 h 27 min
